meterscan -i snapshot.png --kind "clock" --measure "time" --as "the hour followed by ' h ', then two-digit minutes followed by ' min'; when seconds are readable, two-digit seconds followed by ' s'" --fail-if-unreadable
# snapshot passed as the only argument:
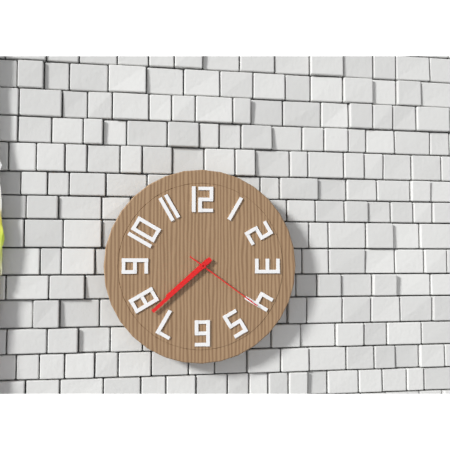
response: 7 h 38 min 21 s
